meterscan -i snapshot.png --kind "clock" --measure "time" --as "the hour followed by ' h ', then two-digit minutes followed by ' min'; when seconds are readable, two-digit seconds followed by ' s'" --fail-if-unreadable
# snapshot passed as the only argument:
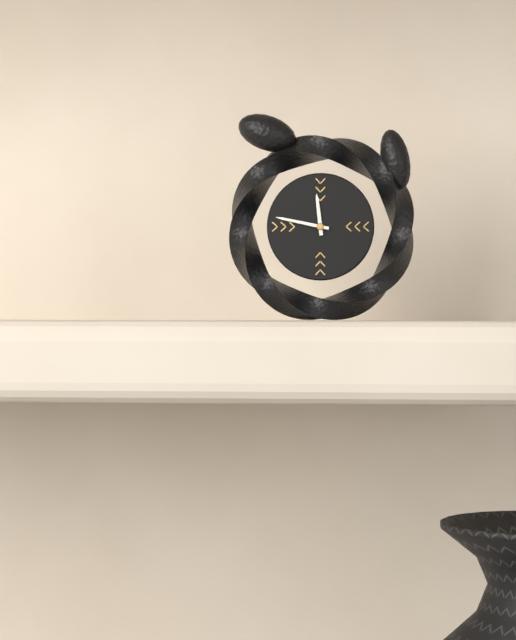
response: 11 h 47 min
